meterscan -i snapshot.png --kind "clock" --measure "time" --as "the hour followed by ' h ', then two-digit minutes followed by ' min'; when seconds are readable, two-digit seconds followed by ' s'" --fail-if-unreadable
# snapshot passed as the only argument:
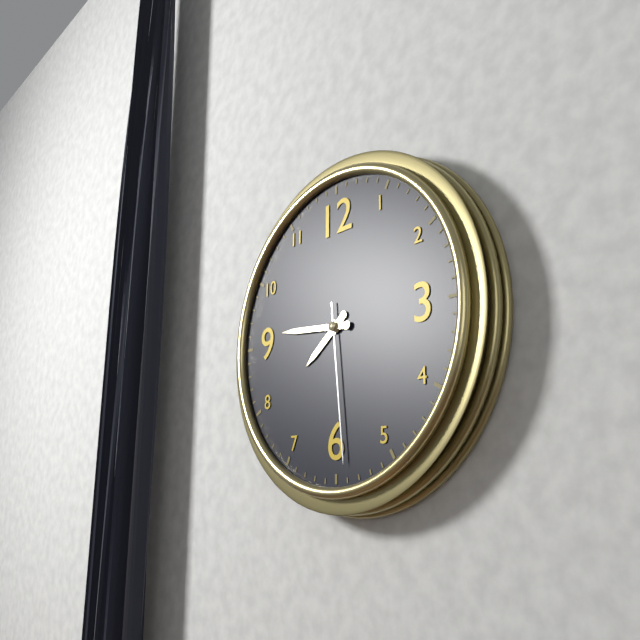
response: 7 h 46 min 29 s
